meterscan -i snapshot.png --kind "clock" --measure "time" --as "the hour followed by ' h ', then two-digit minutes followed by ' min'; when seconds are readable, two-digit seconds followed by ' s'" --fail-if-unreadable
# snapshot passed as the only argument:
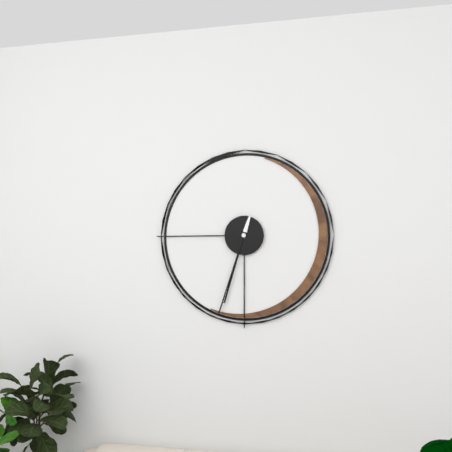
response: 6 h 33 min
